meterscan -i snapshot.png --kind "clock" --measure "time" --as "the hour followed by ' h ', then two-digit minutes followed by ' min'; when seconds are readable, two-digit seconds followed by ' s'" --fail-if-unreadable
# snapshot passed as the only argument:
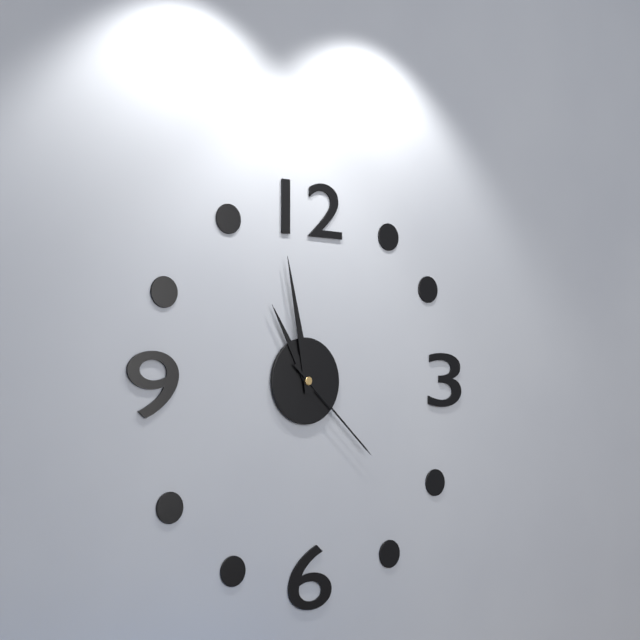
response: 10 h 58 min 22 s
